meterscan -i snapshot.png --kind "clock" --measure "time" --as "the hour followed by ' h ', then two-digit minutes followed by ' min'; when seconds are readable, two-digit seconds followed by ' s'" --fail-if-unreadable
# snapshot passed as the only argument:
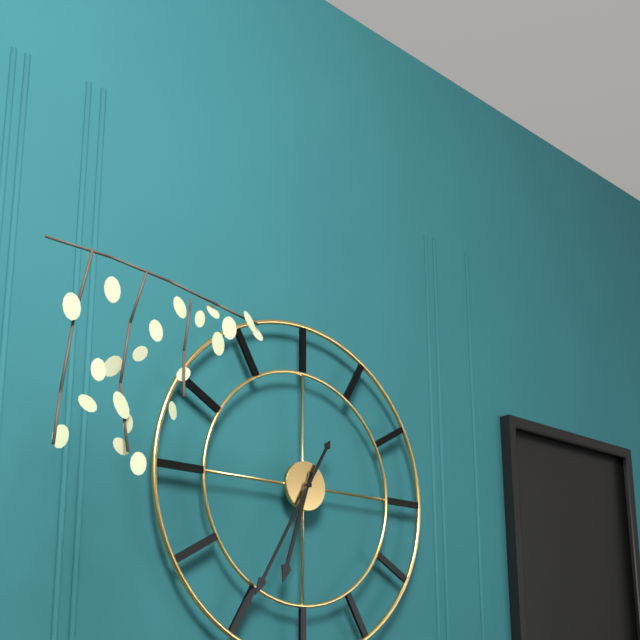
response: 6 h 35 min
